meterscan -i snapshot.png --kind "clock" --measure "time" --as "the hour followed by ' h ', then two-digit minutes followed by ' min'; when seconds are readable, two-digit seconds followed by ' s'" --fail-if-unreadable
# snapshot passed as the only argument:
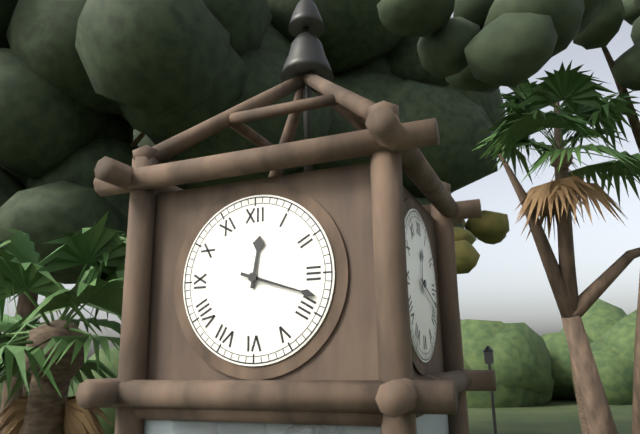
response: 12 h 18 min
